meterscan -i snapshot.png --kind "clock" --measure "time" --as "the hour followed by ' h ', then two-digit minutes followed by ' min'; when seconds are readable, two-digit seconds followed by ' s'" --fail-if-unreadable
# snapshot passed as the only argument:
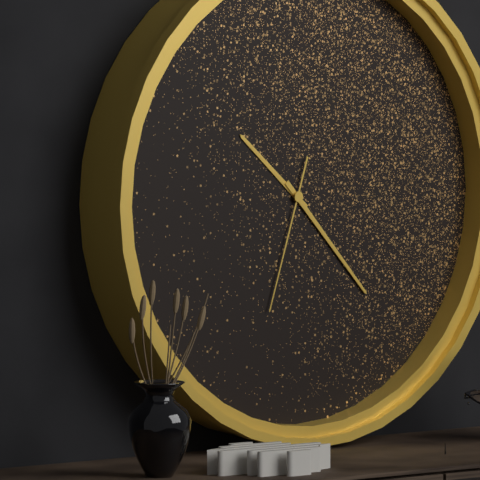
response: 10 h 23 min 33 s
